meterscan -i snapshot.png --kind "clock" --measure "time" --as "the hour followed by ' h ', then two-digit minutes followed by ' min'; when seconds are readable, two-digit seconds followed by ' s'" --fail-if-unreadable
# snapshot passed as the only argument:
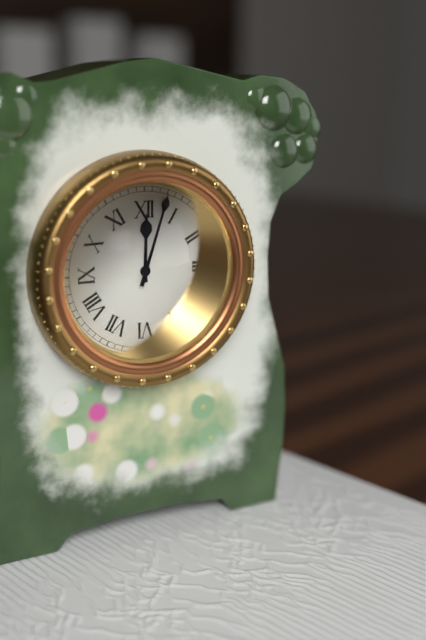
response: 12 h 03 min
